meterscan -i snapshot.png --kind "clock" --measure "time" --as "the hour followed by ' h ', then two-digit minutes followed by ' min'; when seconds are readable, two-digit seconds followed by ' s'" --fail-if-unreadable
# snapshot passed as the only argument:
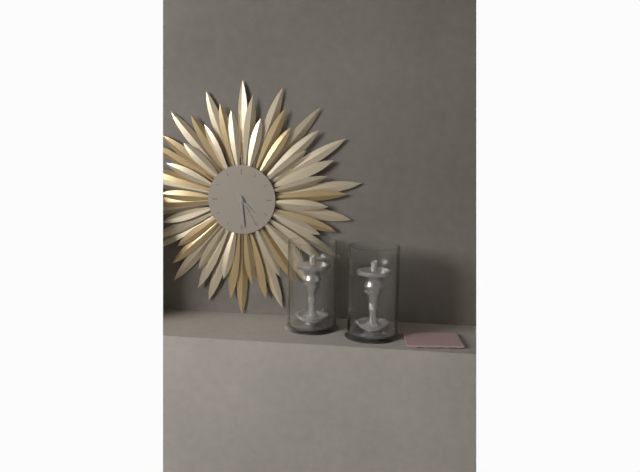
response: 4 h 29 min
